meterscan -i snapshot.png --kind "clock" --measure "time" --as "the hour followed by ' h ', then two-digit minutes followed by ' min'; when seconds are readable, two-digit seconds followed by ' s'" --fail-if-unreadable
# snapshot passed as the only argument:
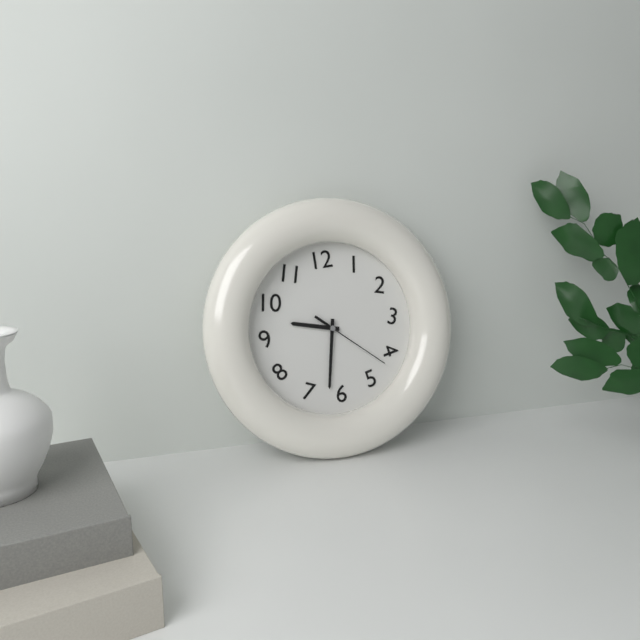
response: 9 h 32 min 22 s
